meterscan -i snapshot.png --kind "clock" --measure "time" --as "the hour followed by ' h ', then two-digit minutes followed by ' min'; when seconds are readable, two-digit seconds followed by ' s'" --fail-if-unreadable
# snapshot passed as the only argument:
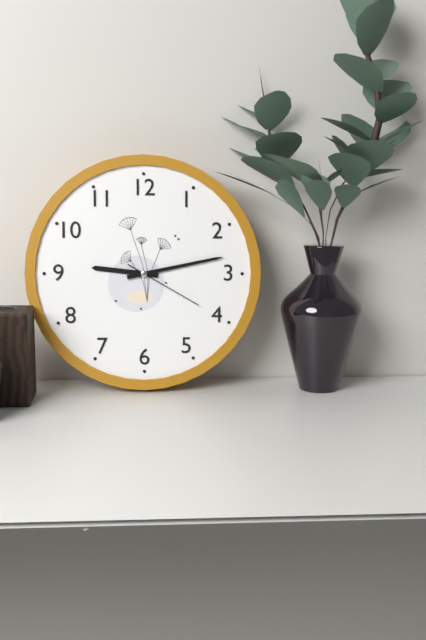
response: 9 h 13 min 20 s
